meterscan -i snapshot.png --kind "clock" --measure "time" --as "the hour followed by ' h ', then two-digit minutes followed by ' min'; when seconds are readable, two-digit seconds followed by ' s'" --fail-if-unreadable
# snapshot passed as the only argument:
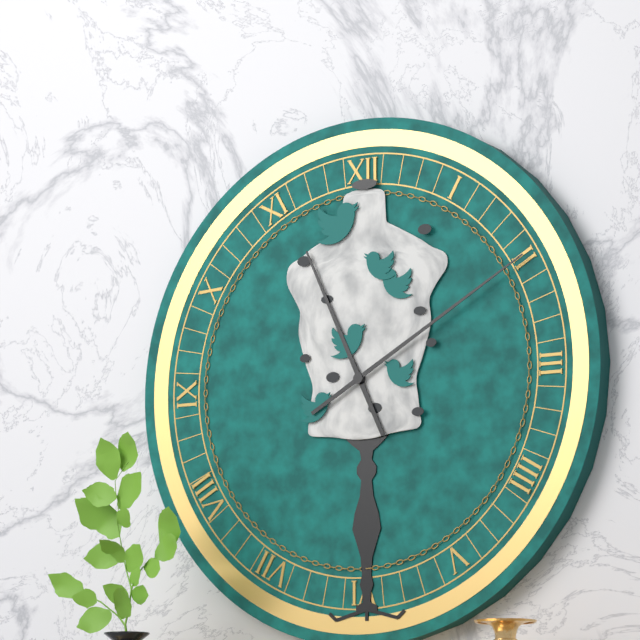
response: 11 h 10 min
